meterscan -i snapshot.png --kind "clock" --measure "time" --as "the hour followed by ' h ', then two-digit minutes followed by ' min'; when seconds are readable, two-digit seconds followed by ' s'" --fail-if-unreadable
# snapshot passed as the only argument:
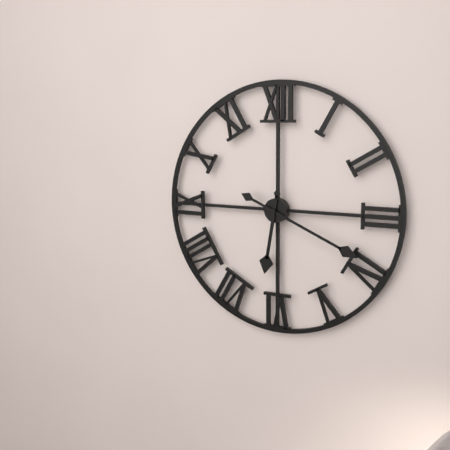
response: 6 h 19 min
